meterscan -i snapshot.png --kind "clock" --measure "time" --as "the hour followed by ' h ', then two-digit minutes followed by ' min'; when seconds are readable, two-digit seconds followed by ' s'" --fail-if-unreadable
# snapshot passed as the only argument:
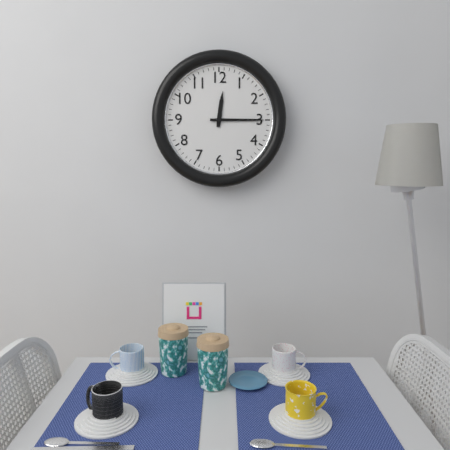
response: 12 h 15 min
